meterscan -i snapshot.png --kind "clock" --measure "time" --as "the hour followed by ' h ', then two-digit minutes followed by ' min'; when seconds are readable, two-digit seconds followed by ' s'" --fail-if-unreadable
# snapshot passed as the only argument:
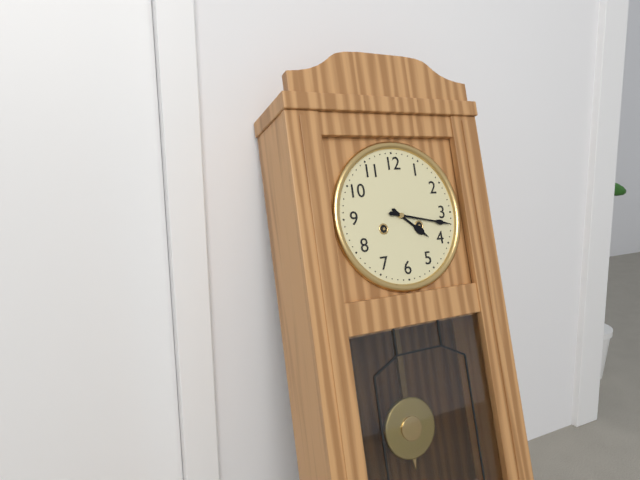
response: 4 h 17 min
